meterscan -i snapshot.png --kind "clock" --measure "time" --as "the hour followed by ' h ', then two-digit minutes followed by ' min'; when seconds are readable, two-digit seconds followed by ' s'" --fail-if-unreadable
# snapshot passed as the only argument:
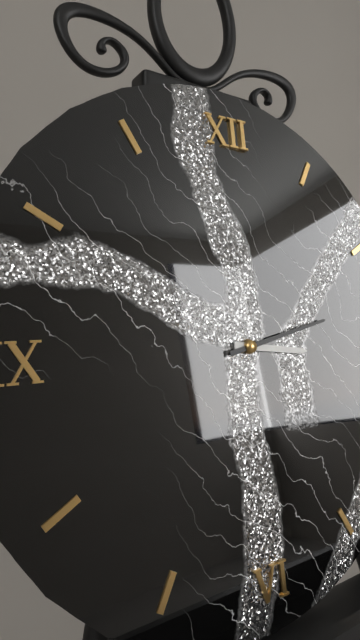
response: 3 h 13 min
